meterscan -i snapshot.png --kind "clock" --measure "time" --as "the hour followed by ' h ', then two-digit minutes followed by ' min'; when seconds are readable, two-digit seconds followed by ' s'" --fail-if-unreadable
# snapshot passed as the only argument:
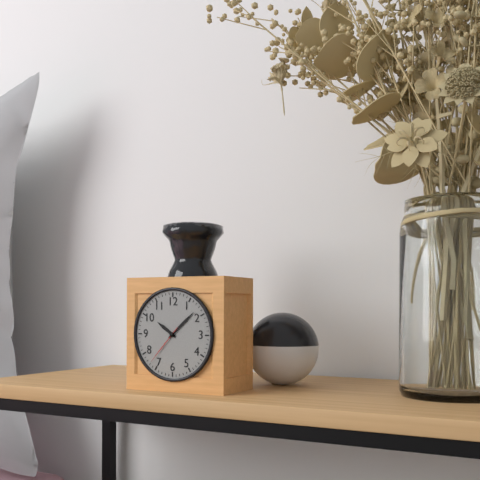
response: 10 h 08 min
